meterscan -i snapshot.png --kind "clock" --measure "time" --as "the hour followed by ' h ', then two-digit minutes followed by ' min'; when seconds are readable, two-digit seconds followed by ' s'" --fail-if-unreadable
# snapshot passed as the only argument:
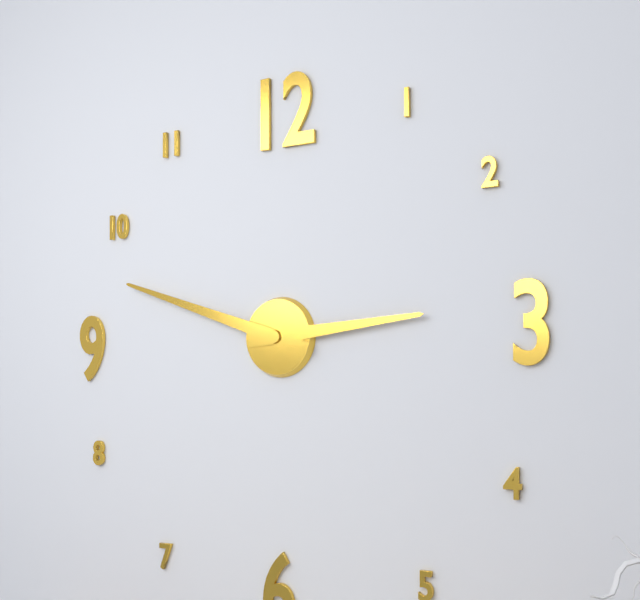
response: 2 h 48 min
